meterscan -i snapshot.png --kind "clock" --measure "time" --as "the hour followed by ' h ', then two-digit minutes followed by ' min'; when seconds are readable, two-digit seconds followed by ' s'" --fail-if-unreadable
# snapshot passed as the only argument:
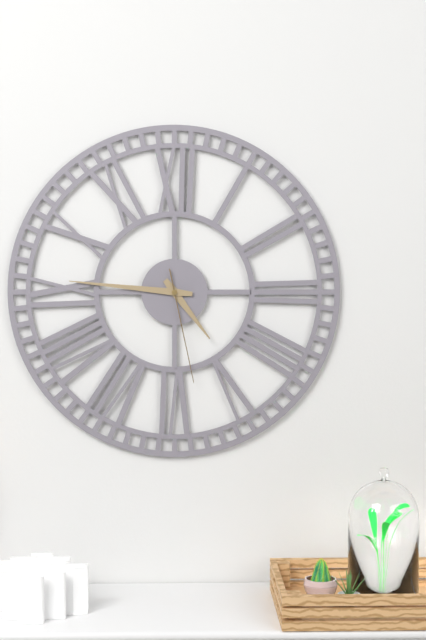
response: 4 h 46 min 28 s
